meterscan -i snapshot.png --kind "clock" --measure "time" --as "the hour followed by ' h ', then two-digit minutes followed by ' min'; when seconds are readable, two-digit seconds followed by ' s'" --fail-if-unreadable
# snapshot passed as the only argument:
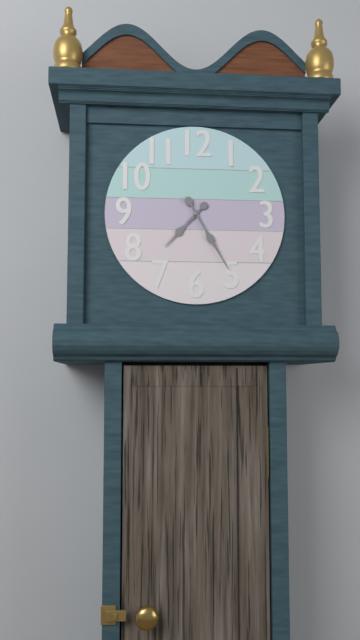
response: 7 h 25 min
